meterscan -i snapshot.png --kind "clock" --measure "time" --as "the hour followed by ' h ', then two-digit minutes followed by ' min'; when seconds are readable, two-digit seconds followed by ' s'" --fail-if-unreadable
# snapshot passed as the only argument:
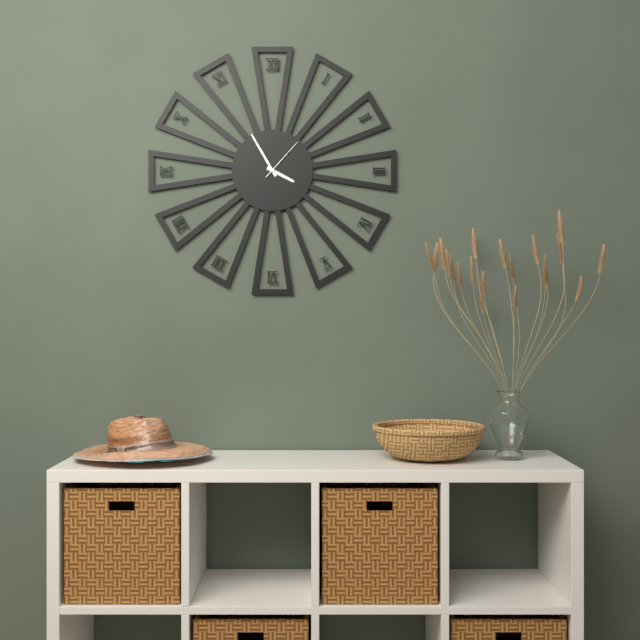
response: 3 h 55 min
